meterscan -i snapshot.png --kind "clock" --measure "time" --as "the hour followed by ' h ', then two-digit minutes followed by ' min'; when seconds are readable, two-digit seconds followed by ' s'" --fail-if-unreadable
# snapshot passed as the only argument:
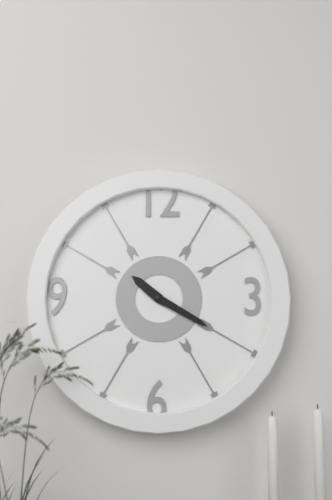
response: 10 h 20 min
